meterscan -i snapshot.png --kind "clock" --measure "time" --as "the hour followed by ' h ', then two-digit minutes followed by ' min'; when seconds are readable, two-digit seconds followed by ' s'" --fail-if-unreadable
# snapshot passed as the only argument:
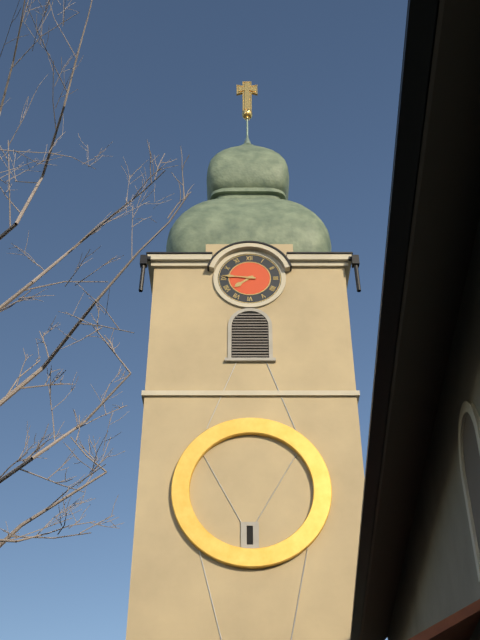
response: 7 h 46 min
